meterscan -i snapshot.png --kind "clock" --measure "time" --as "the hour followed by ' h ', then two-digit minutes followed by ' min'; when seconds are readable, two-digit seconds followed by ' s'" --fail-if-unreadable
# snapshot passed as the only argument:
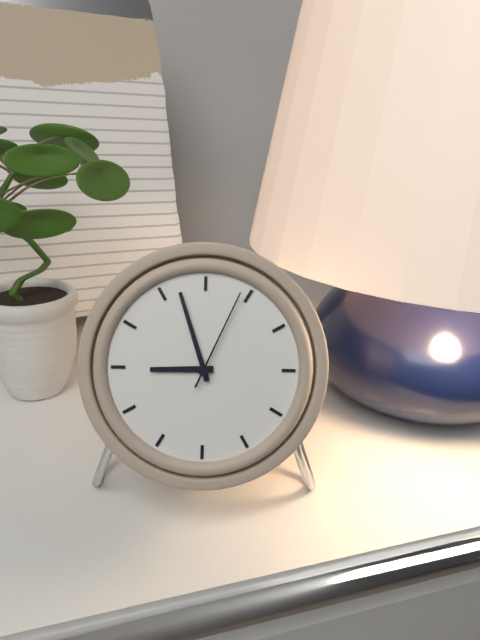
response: 8 h 57 min 04 s
